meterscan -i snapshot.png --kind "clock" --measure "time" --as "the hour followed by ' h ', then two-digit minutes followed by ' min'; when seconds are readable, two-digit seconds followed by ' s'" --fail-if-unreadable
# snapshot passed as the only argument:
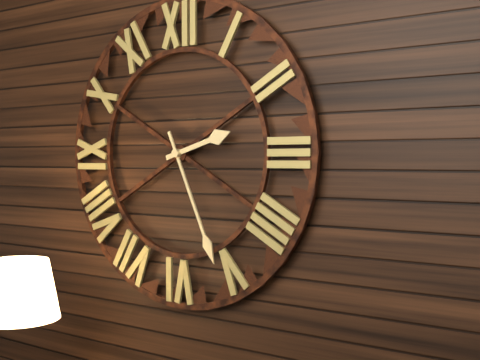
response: 2 h 26 min
